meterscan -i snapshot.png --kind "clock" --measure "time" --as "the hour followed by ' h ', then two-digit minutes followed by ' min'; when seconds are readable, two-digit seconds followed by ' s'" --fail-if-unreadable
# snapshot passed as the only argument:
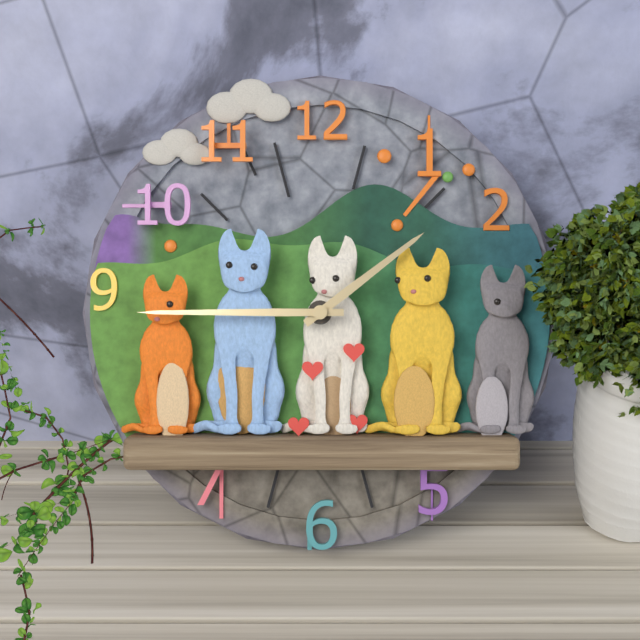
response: 1 h 45 min
